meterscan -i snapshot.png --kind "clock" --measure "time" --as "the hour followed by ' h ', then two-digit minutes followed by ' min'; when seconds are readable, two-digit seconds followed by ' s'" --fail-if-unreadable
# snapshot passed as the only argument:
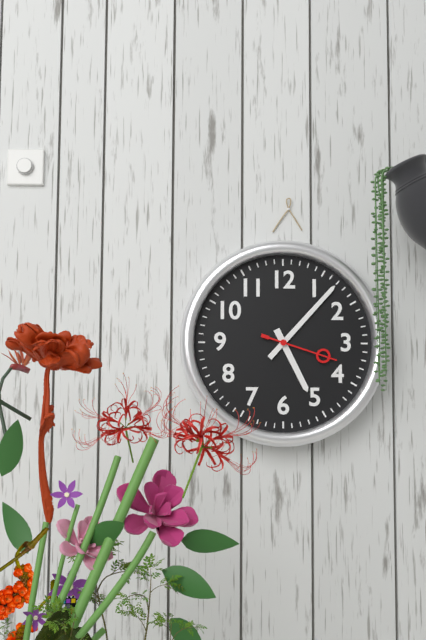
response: 5 h 07 min 18 s
